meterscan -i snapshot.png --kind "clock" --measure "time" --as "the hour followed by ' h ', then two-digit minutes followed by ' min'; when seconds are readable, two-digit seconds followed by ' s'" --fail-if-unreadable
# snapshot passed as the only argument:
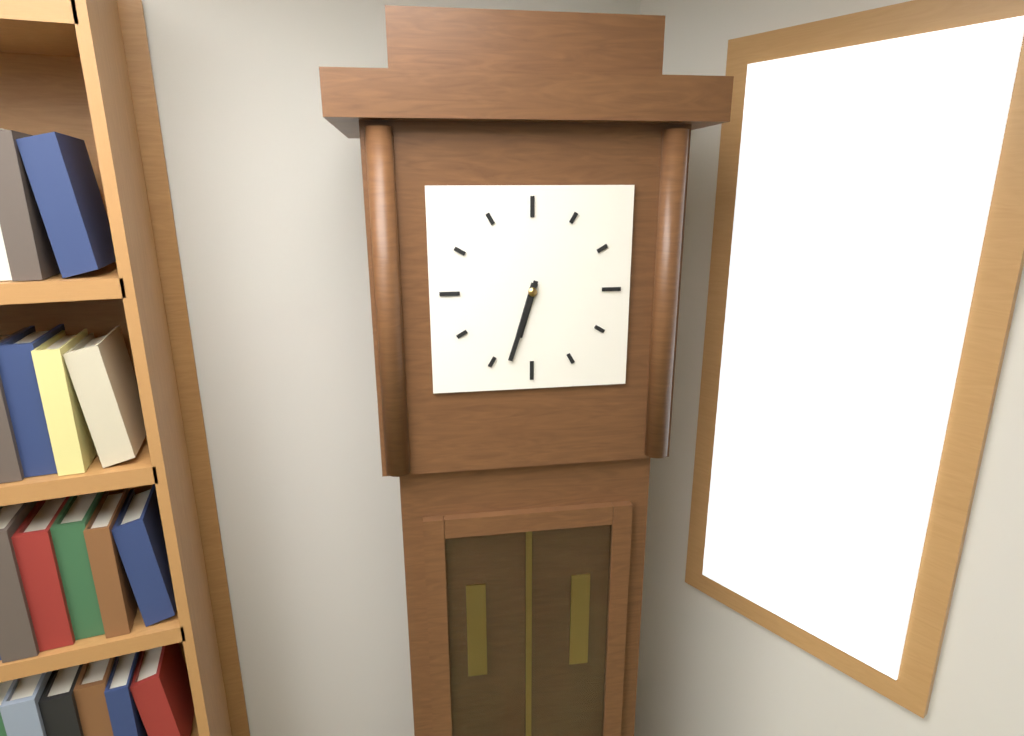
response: 6 h 33 min
